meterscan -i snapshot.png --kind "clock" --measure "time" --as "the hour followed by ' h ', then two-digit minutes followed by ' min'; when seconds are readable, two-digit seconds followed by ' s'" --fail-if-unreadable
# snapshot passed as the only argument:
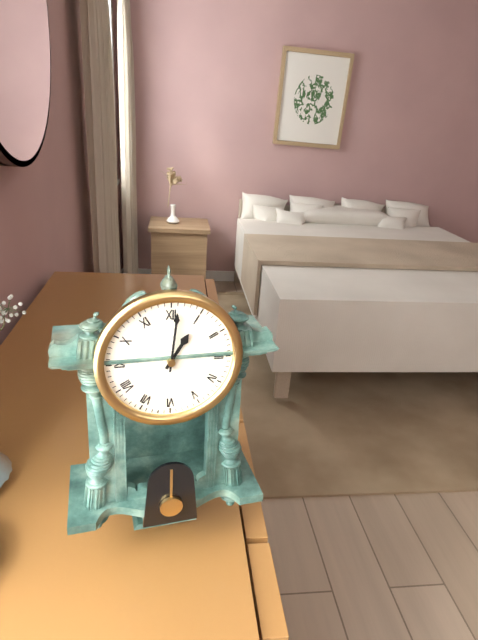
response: 1 h 01 min
